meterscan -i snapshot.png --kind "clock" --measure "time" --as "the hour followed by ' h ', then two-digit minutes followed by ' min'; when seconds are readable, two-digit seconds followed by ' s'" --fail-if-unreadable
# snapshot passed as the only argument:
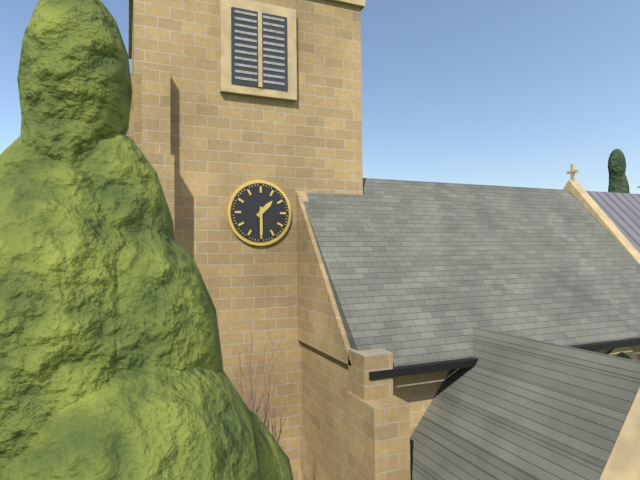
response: 1 h 30 min
